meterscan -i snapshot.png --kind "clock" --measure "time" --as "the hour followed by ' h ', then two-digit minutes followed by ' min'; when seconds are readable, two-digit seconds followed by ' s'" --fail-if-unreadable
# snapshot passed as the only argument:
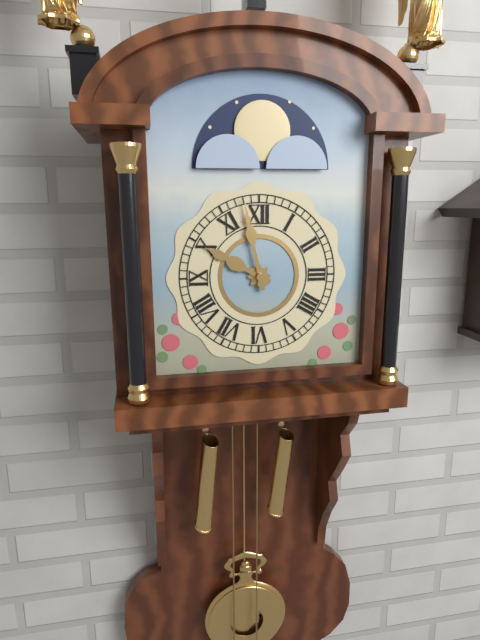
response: 9 h 58 min
